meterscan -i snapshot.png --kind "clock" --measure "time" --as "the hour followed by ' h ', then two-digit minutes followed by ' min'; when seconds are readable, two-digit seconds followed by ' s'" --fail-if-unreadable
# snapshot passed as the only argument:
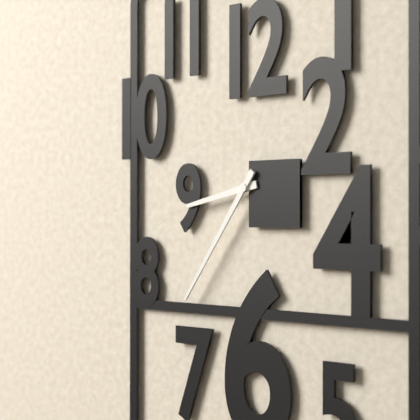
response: 8 h 36 min
